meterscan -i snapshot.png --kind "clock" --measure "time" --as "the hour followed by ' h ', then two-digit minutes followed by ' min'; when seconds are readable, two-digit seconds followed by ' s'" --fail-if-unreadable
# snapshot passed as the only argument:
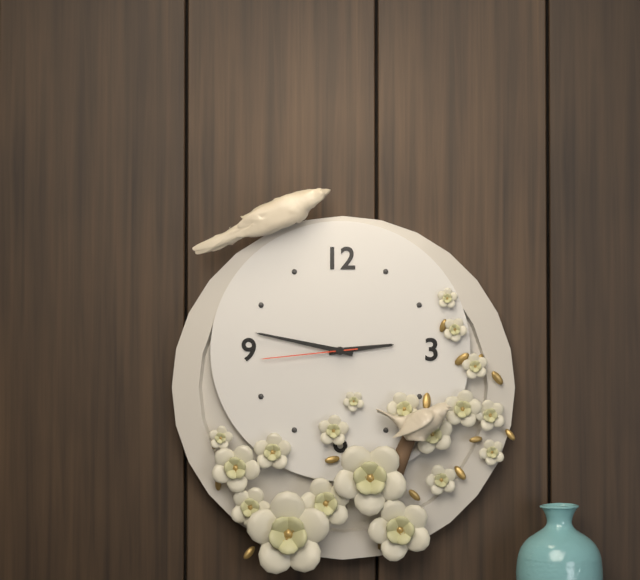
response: 2 h 47 min 44 s
